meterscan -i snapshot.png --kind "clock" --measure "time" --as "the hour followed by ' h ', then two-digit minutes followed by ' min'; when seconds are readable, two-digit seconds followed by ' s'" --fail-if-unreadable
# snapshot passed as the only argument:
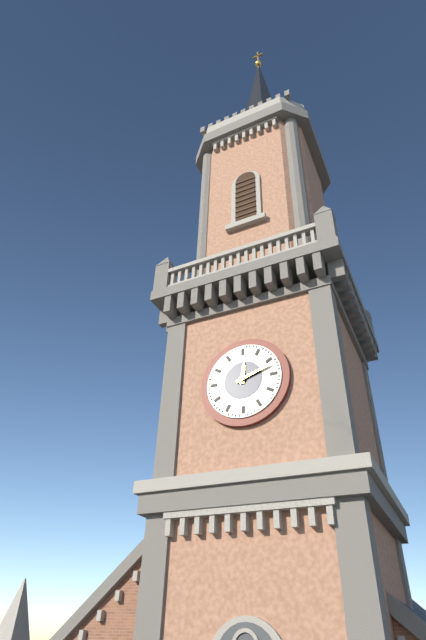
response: 12 h 12 min
